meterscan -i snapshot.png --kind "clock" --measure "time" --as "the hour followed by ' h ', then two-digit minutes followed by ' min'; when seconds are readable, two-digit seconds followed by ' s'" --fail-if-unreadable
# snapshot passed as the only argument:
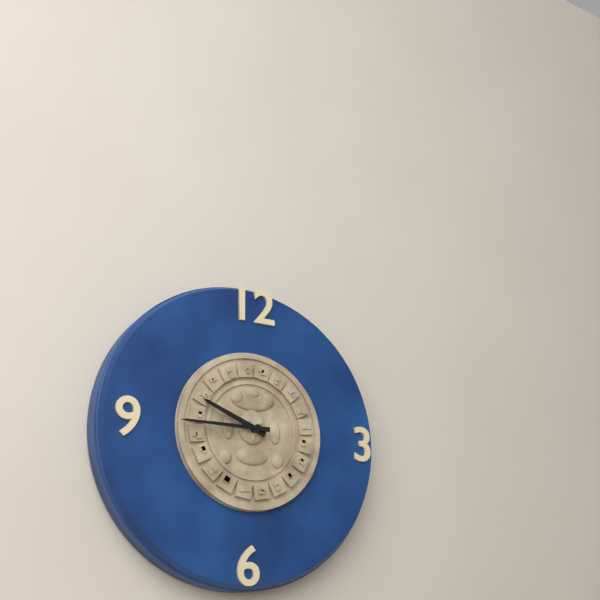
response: 9 h 45 min
